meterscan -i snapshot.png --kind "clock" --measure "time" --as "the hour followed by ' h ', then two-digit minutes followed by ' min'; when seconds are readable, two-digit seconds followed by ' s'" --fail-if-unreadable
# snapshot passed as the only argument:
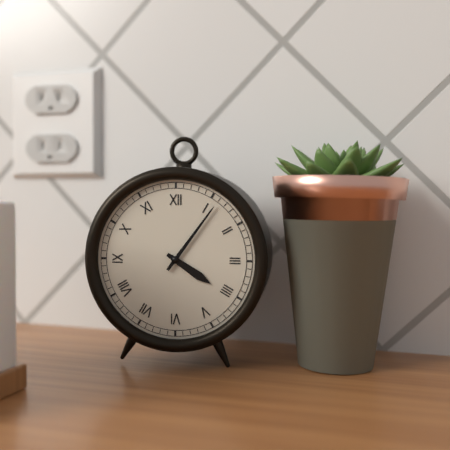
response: 4 h 06 min
